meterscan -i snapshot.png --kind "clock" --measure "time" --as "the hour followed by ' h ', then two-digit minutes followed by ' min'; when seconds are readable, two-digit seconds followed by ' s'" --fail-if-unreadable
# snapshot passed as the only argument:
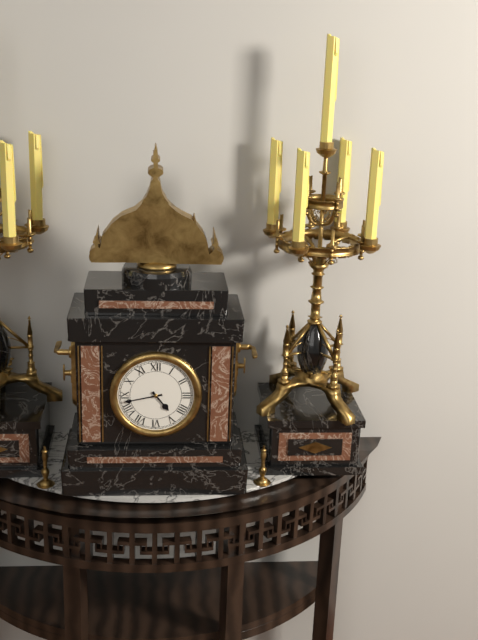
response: 4 h 43 min
